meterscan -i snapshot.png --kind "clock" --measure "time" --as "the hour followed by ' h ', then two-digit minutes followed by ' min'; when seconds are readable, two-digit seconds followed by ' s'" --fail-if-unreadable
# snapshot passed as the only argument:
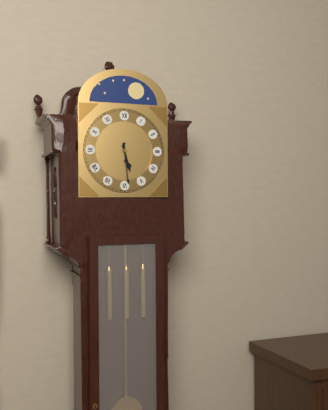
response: 5 h 29 min
